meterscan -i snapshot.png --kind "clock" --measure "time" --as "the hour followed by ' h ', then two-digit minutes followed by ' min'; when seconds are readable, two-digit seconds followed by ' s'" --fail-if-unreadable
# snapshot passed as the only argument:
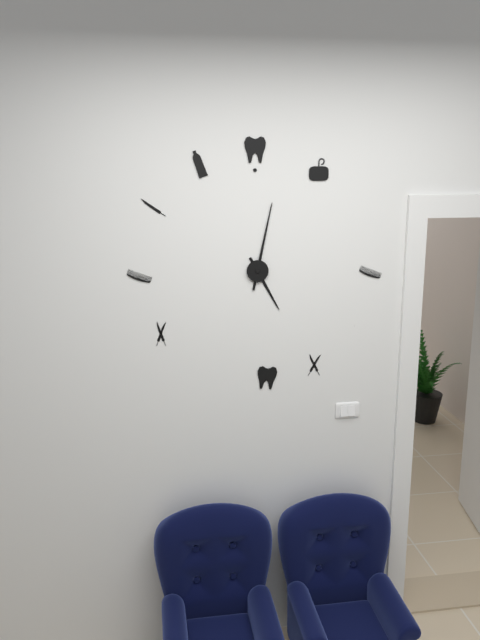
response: 5 h 02 min
